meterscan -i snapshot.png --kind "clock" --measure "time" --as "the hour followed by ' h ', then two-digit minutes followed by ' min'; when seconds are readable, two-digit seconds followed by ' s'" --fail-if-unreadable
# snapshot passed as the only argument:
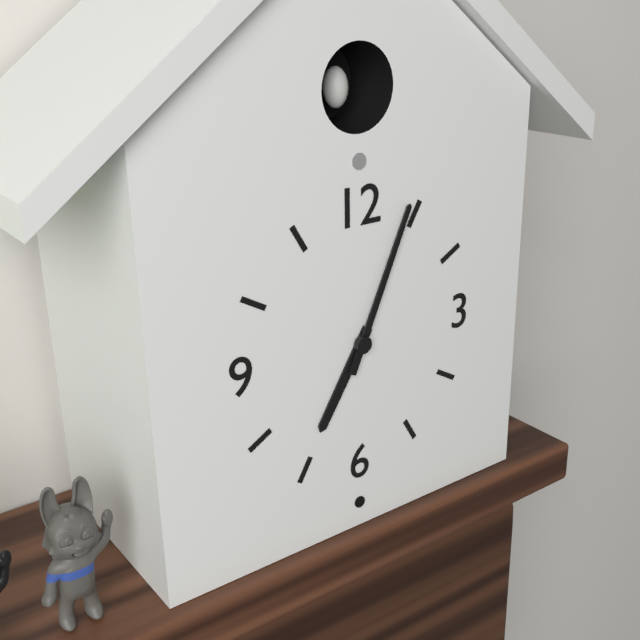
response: 7 h 04 min
